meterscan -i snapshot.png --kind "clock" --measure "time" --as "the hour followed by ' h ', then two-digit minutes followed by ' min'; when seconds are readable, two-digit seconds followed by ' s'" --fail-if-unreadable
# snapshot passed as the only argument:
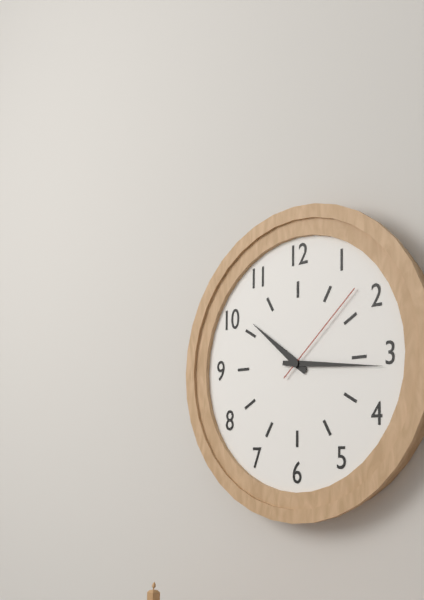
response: 10 h 16 min 08 s
